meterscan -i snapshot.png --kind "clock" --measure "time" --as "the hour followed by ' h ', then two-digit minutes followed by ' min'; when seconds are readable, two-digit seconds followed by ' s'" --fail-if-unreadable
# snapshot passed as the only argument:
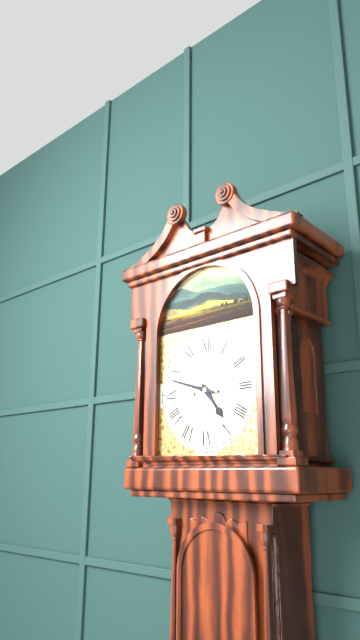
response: 4 h 48 min
